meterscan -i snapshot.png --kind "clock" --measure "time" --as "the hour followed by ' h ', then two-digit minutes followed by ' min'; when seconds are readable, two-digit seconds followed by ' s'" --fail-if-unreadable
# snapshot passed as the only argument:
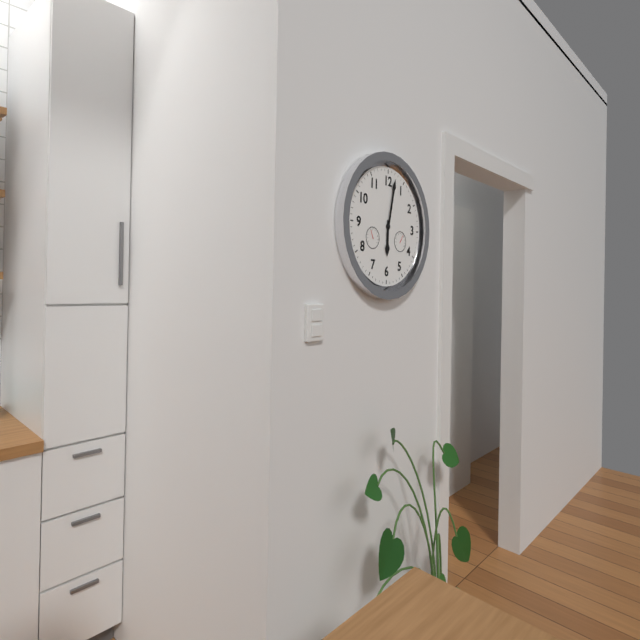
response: 6 h 02 min
